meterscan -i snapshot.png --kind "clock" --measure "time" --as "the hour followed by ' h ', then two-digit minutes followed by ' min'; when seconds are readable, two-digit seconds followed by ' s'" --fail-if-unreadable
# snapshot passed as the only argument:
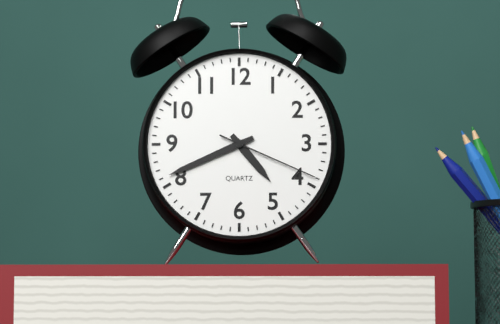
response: 4 h 41 min 19 s
